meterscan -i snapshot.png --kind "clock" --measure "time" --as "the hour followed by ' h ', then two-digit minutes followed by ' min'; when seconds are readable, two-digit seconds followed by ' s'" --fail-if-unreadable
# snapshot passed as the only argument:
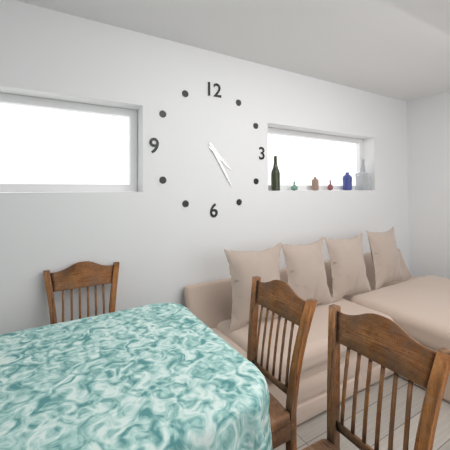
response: 4 h 25 min
